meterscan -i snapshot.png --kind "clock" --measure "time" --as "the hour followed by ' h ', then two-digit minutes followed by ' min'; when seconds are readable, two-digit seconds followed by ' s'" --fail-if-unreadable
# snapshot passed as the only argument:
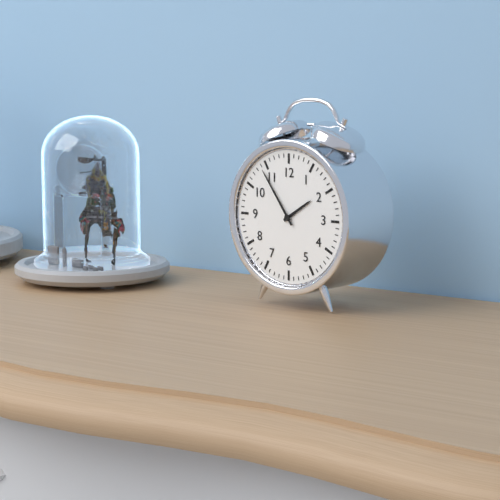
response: 1 h 54 min
